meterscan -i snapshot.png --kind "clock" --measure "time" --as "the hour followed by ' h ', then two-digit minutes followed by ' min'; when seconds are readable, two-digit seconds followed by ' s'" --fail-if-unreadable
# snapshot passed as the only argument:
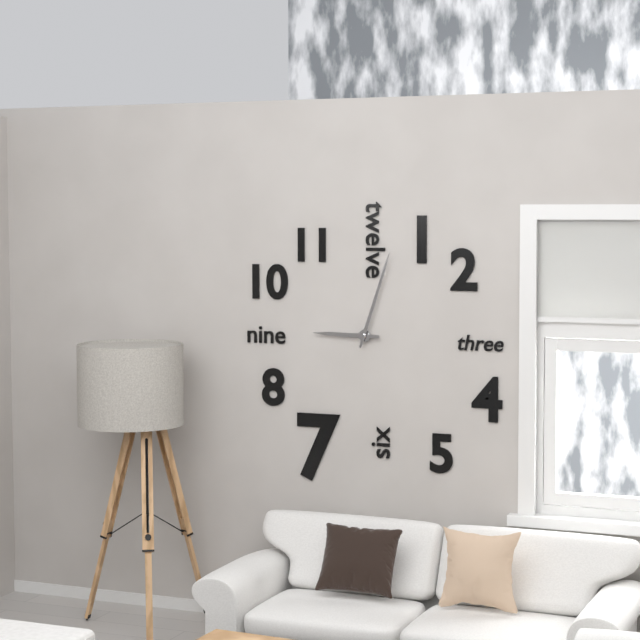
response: 9 h 03 min
